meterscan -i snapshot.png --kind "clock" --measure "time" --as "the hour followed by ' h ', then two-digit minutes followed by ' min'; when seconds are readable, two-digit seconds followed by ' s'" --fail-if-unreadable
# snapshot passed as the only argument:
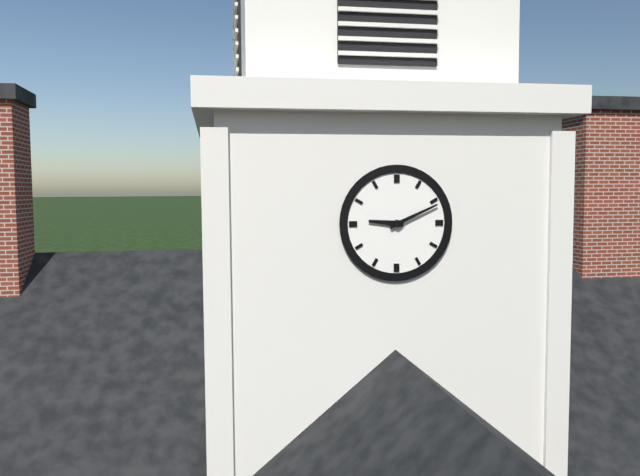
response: 9 h 11 min
